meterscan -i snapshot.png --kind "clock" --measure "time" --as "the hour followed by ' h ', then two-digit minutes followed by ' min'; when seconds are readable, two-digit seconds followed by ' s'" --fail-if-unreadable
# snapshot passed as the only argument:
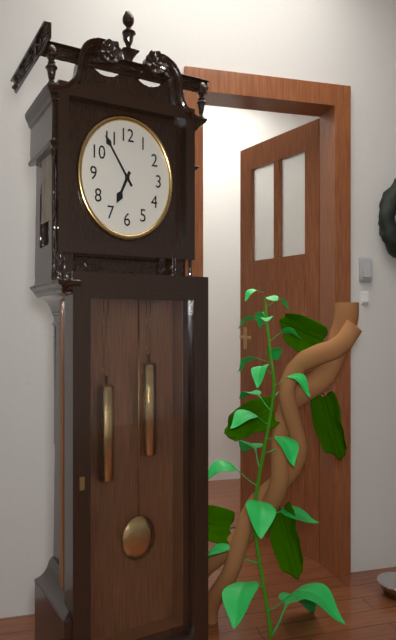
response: 6 h 54 min
